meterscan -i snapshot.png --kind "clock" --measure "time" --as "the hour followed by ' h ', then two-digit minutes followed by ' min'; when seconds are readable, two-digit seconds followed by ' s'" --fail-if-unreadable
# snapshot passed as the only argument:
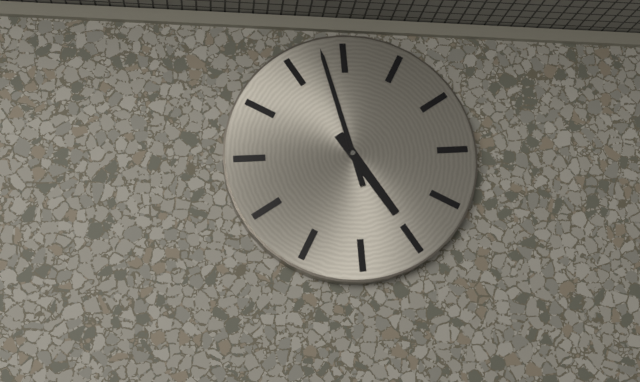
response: 4 h 58 min
